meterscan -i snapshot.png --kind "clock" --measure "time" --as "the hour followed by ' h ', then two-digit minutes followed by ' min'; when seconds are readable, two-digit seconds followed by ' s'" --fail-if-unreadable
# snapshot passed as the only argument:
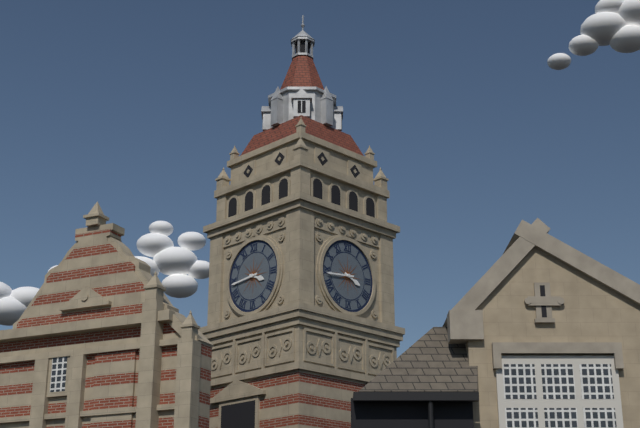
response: 3 h 44 min
